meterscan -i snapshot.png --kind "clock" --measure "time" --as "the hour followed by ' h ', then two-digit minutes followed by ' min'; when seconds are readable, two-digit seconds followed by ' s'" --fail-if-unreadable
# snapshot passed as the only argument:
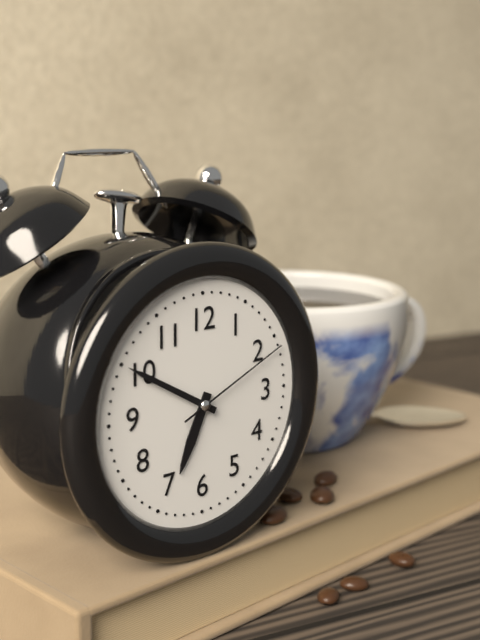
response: 6 h 50 min 11 s
